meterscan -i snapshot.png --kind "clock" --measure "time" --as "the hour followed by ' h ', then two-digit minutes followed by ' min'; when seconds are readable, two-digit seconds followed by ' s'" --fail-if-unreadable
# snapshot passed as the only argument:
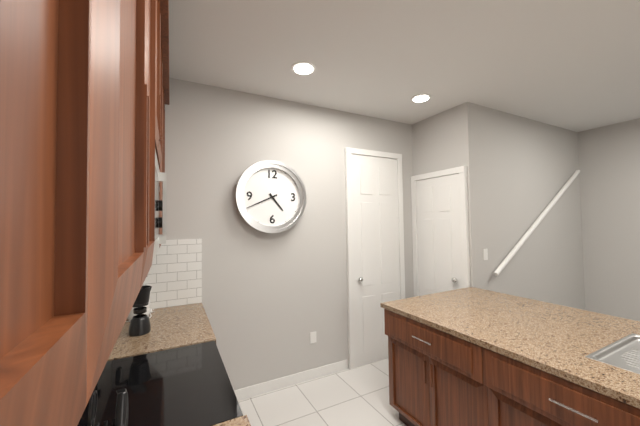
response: 4 h 41 min
